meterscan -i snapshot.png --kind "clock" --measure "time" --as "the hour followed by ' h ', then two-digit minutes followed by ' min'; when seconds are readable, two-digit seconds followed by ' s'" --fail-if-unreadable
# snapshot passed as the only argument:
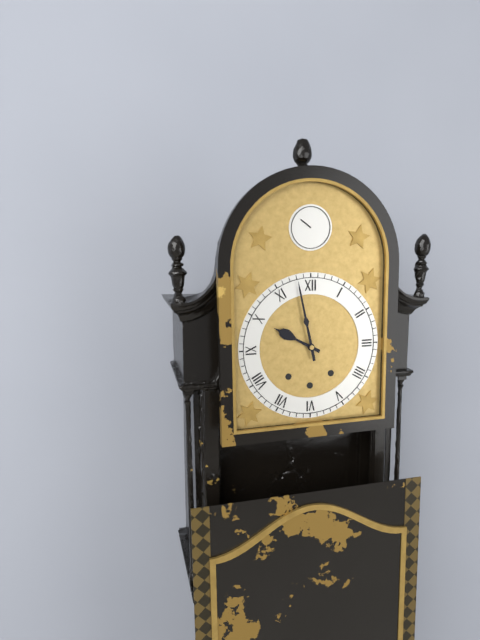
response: 9 h 58 min
